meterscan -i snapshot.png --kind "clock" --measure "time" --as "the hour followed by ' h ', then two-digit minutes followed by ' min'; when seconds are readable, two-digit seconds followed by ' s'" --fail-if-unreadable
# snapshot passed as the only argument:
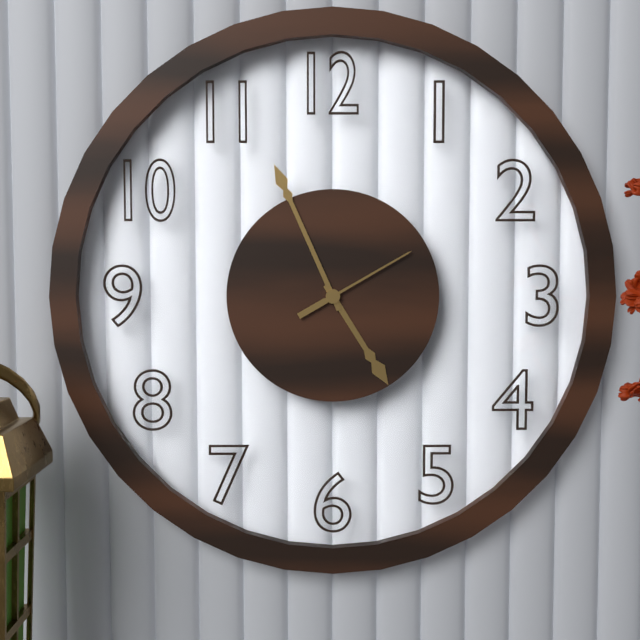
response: 4 h 56 min 10 s
